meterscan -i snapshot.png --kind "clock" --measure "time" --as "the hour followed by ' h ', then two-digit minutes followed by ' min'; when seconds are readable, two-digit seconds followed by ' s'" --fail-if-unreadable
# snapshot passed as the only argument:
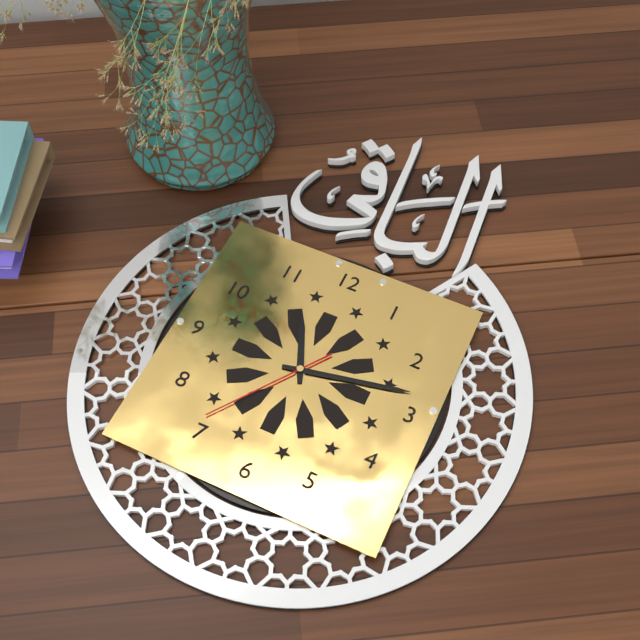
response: 11 h 13 min 36 s
